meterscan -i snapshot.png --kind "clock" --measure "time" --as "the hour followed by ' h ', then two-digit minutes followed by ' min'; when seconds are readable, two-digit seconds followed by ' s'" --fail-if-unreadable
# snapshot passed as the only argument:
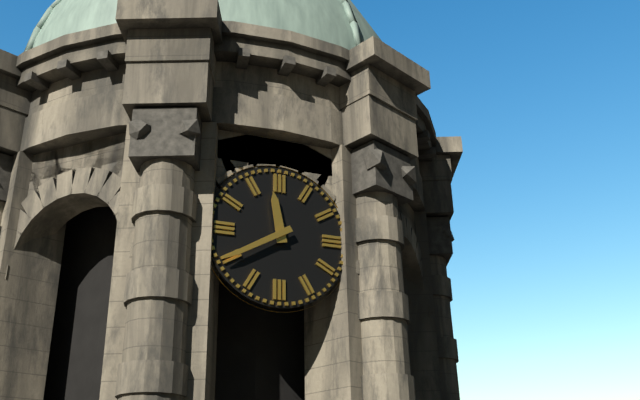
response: 11 h 40 min
